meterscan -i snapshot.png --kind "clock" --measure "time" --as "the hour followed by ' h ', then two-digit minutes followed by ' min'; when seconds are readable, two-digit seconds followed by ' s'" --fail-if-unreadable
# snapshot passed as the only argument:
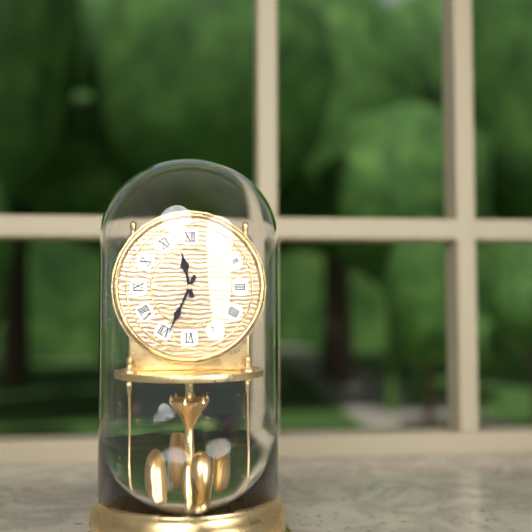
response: 11 h 34 min
